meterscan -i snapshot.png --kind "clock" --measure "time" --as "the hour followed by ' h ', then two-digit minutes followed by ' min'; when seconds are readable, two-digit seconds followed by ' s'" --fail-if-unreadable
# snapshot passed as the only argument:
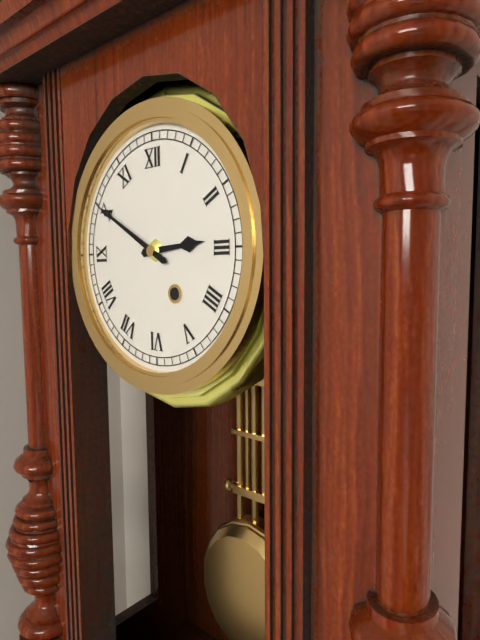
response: 2 h 50 min
